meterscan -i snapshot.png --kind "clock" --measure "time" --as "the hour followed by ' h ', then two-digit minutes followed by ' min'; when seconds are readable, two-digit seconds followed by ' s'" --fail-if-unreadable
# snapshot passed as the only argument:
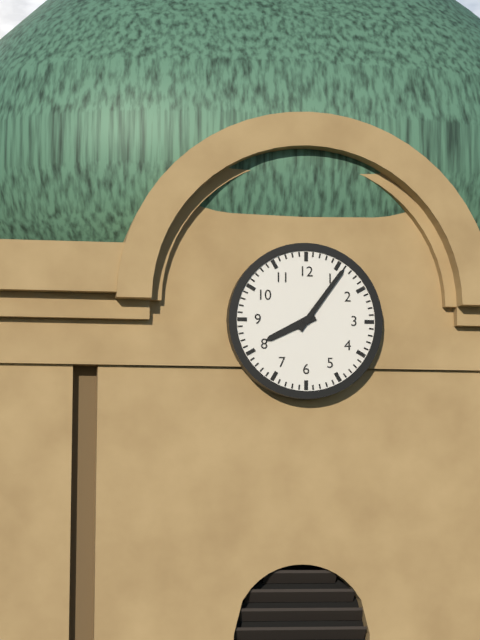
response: 8 h 06 min
